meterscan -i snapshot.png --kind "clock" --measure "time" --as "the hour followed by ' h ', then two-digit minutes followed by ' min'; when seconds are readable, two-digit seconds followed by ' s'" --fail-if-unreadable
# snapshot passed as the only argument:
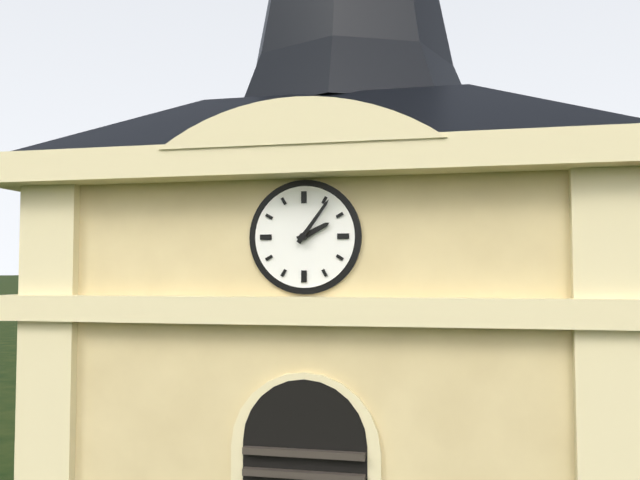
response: 2 h 06 min
